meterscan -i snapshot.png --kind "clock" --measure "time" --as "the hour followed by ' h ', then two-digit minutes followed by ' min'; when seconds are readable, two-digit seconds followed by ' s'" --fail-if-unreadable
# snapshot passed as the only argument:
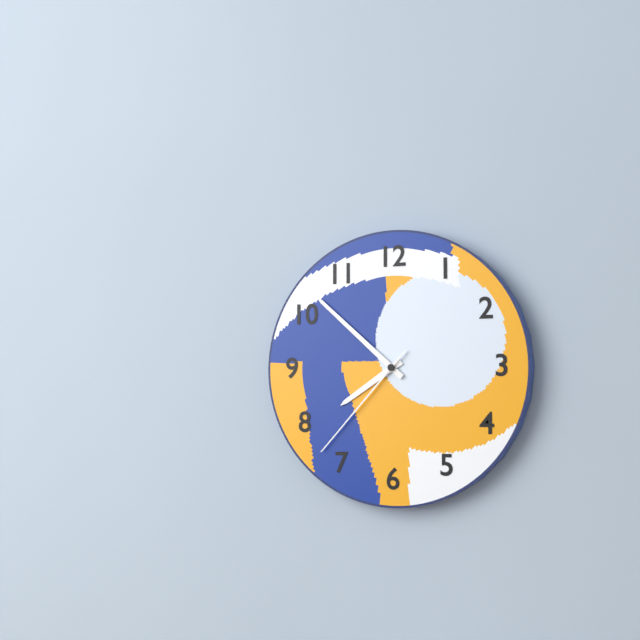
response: 7 h 52 min 37 s
